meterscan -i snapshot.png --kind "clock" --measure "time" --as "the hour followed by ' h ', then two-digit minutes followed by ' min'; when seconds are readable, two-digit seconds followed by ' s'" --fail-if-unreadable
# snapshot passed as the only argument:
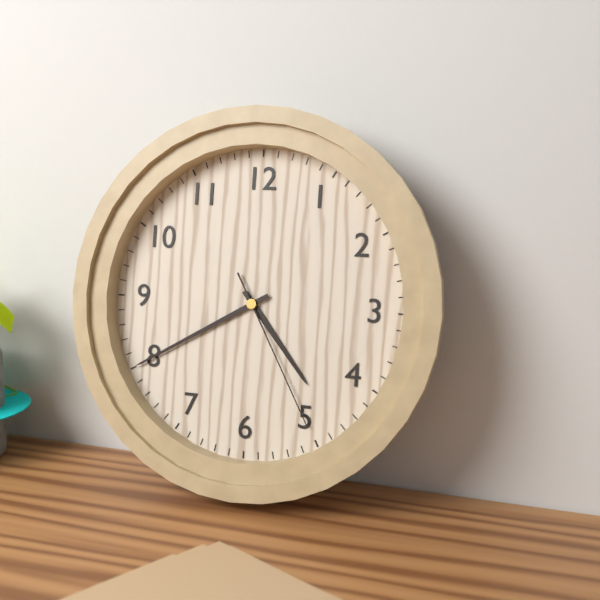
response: 4 h 40 min 25 s
